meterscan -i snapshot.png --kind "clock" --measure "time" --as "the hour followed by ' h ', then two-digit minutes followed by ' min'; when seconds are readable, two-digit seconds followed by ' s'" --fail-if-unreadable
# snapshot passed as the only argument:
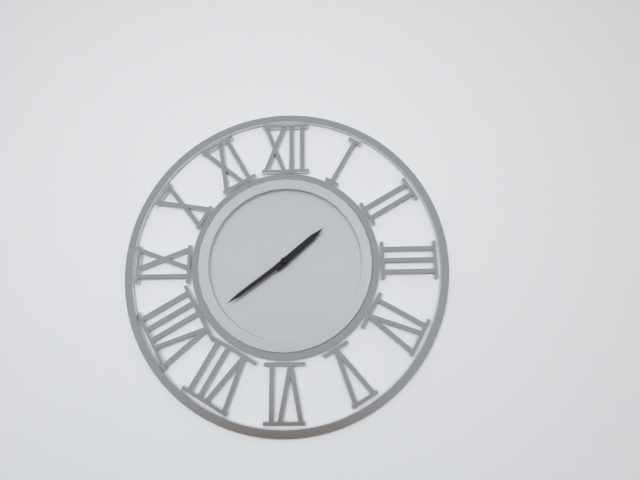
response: 1 h 39 min
